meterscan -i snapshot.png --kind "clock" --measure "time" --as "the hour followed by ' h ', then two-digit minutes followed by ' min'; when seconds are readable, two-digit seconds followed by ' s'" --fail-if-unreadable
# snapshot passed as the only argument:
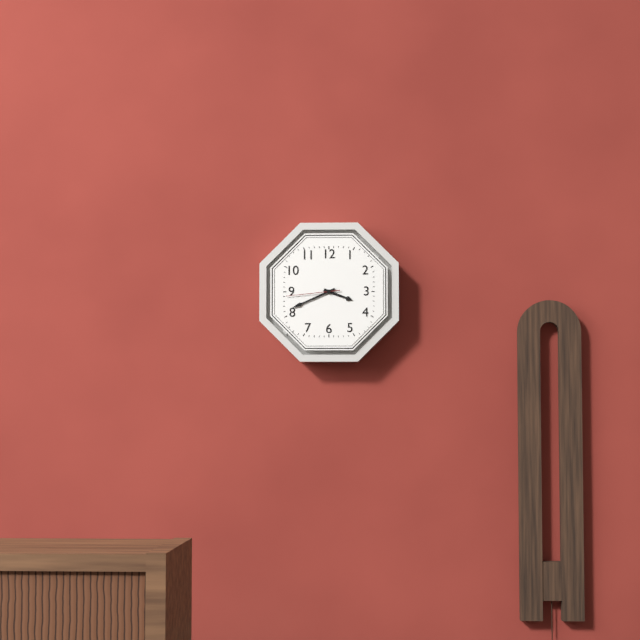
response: 3 h 41 min 44 s
